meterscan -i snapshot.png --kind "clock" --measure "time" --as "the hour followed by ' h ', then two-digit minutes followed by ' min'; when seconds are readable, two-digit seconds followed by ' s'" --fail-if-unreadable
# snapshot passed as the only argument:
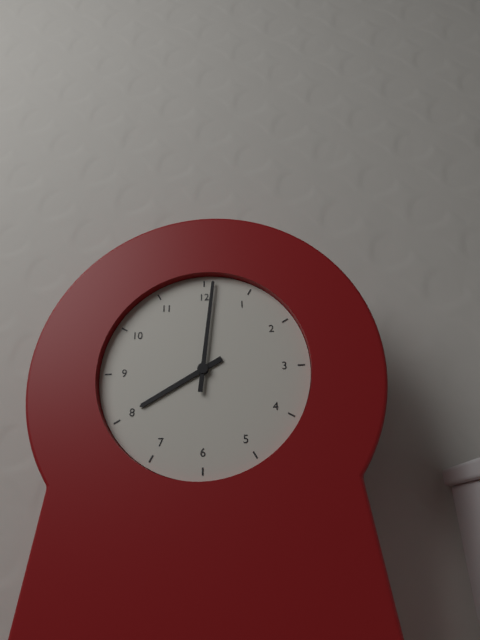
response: 8 h 01 min
